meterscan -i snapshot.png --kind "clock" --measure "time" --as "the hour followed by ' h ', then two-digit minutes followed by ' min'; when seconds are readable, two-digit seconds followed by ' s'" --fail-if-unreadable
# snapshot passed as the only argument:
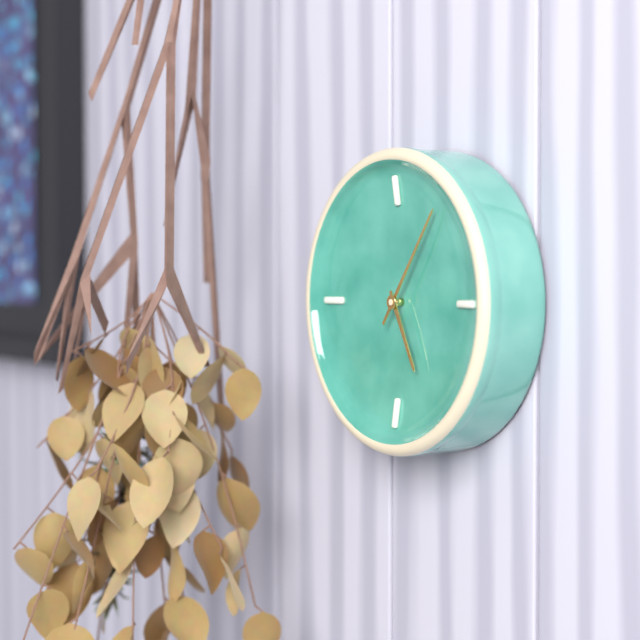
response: 5 h 06 min
